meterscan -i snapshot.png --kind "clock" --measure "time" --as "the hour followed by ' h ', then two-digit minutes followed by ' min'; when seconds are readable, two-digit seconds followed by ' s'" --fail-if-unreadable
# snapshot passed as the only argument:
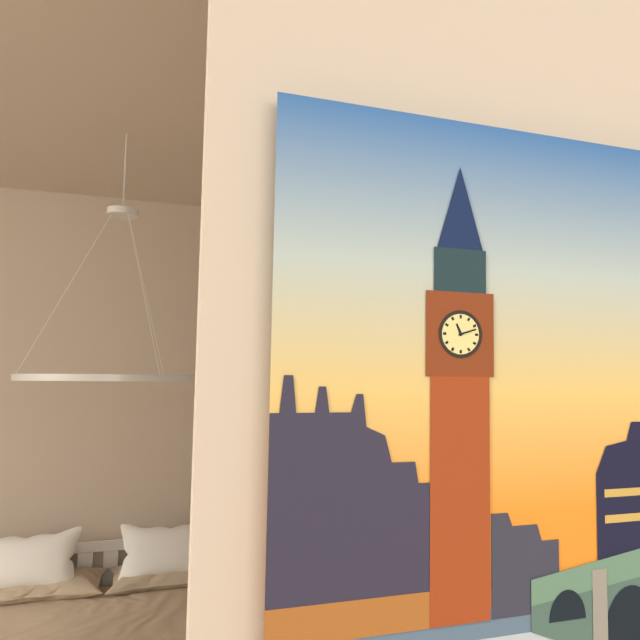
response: 11 h 12 min
